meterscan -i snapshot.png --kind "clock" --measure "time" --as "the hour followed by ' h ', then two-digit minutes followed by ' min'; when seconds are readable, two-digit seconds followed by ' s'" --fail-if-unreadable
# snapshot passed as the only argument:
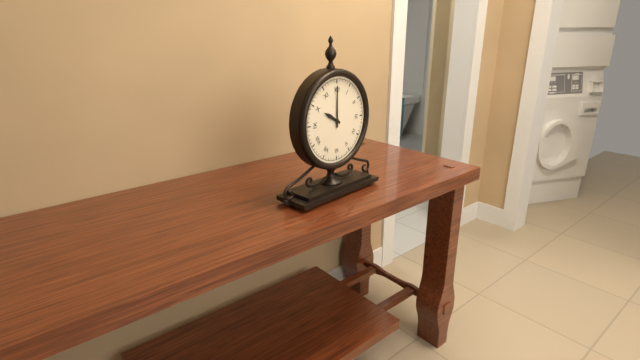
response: 10 h 00 min
